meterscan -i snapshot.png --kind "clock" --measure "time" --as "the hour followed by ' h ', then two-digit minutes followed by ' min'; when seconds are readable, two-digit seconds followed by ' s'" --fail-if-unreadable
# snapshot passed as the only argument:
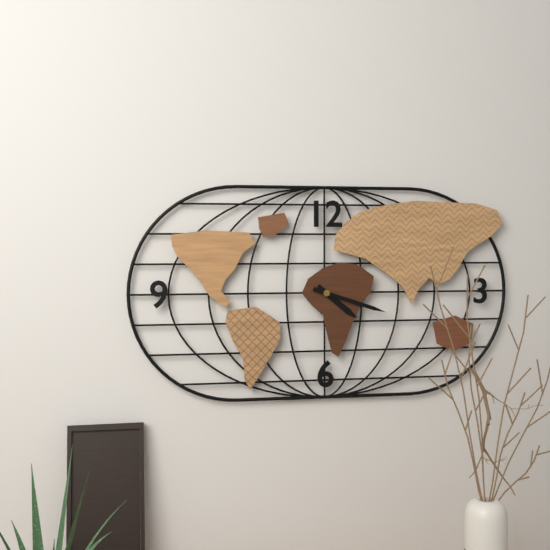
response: 4 h 18 min
